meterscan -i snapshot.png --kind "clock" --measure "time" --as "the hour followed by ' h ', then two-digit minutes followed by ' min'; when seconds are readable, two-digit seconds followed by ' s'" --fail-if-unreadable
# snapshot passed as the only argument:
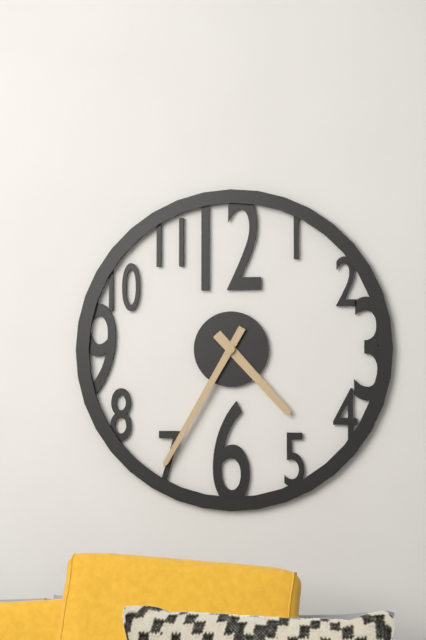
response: 4 h 35 min
